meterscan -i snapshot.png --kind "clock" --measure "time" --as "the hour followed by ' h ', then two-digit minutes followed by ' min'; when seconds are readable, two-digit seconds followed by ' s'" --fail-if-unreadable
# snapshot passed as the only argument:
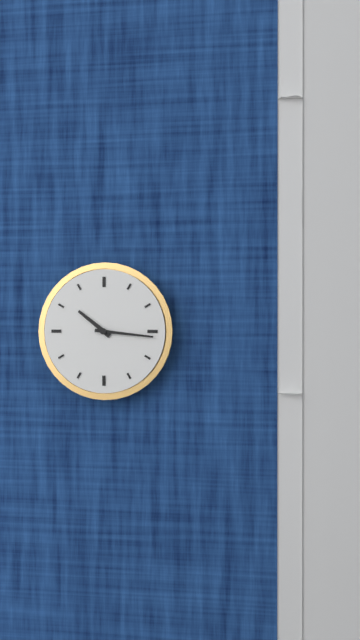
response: 10 h 16 min
